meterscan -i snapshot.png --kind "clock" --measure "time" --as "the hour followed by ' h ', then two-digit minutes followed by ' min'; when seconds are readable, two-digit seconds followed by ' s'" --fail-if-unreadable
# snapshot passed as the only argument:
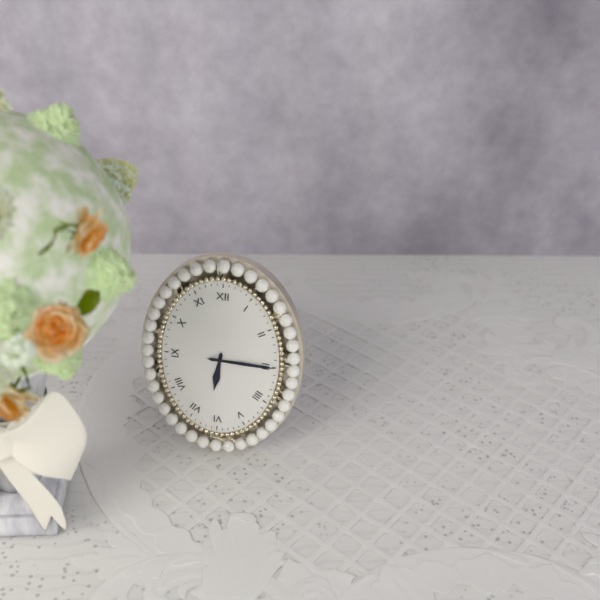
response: 6 h 15 min
